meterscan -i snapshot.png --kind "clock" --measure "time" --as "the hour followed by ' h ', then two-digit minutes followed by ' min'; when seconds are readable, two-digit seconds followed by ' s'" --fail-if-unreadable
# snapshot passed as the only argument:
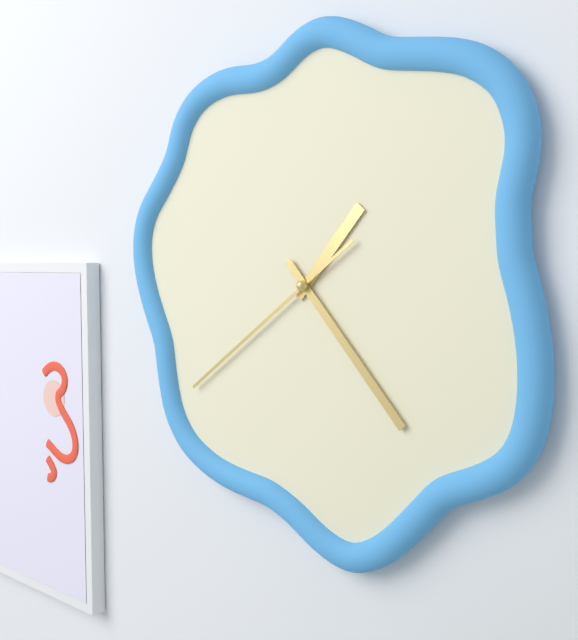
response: 1 h 23 min 39 s
